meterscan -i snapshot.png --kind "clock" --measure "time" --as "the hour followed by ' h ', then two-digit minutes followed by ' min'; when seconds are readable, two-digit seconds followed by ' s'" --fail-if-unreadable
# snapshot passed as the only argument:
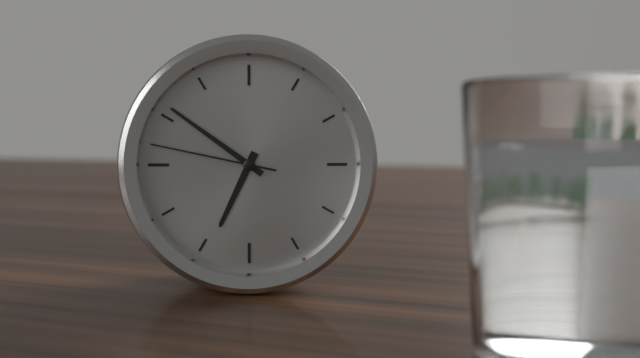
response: 6 h 51 min 47 s
